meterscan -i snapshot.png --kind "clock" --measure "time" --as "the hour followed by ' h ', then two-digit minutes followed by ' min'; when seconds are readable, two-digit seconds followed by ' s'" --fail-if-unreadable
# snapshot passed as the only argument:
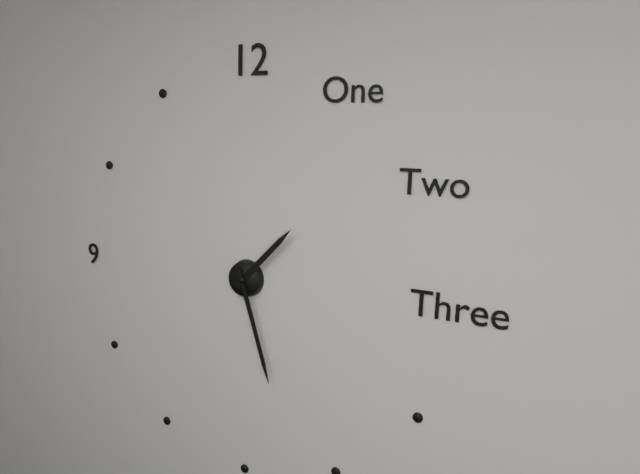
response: 1 h 27 min
